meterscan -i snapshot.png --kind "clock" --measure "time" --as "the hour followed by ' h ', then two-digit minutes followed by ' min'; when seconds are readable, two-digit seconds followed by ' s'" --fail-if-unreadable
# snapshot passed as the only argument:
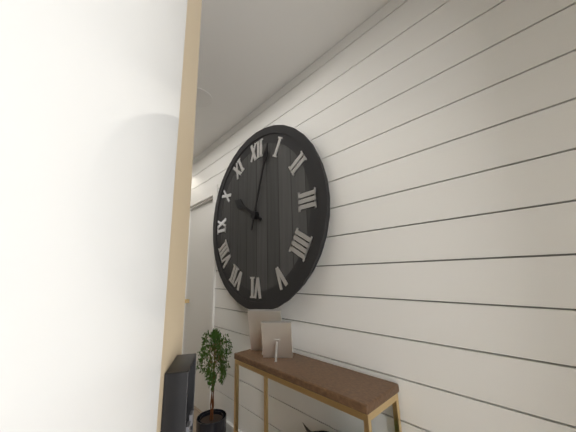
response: 10 h 03 min
